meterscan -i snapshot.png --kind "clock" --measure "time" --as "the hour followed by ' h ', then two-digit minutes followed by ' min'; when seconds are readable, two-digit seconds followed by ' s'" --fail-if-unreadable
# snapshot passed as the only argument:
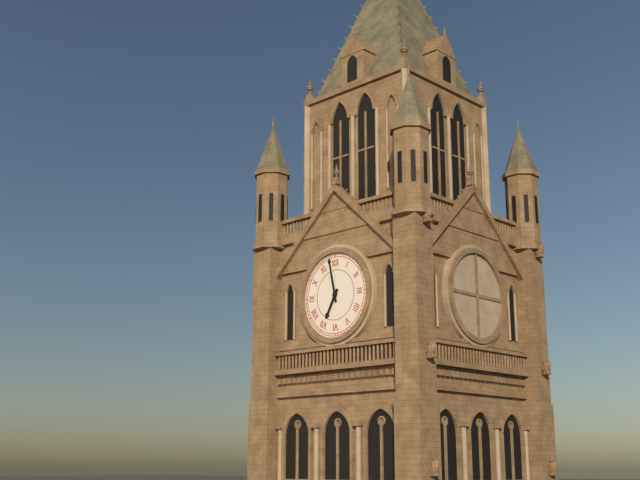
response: 6 h 58 min
